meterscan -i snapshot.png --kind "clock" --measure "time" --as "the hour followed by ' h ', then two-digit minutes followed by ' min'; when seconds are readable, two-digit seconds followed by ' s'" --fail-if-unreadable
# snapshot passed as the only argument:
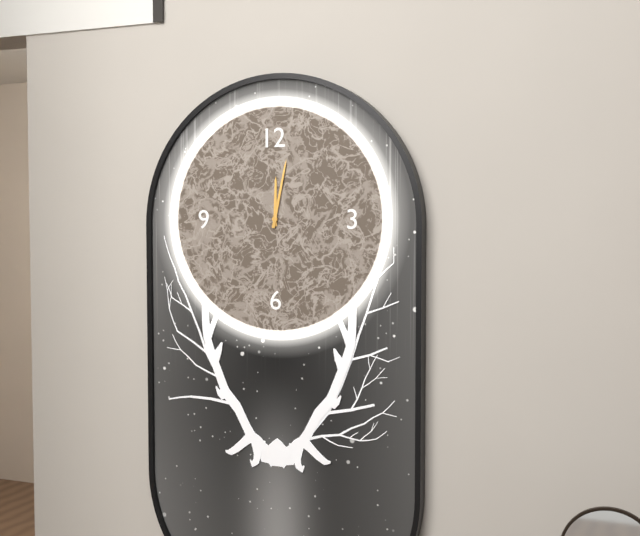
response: 12 h 02 min
